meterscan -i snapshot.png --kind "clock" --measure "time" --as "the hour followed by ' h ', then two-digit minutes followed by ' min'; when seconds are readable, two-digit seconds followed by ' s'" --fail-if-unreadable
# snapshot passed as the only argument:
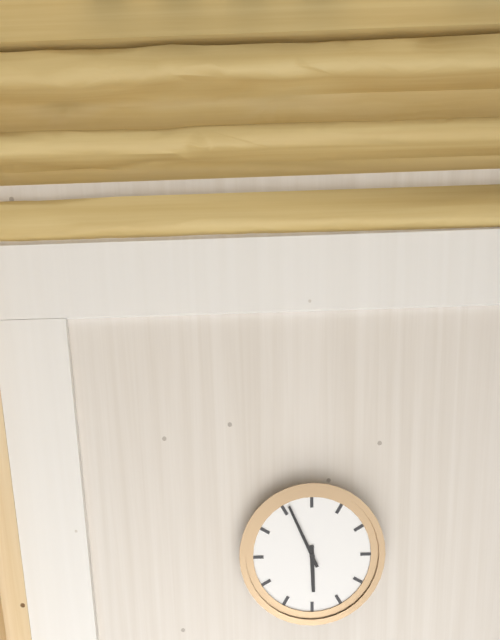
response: 5 h 56 min
